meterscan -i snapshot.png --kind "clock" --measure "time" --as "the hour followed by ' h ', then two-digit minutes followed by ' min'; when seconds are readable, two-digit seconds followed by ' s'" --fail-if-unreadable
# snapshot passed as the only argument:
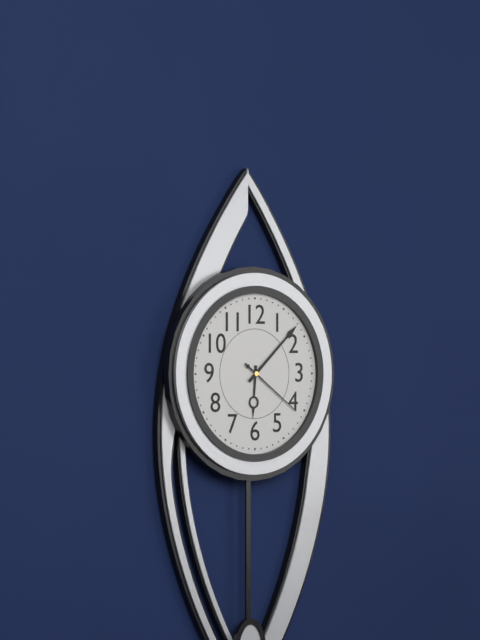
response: 6 h 08 min 21 s
